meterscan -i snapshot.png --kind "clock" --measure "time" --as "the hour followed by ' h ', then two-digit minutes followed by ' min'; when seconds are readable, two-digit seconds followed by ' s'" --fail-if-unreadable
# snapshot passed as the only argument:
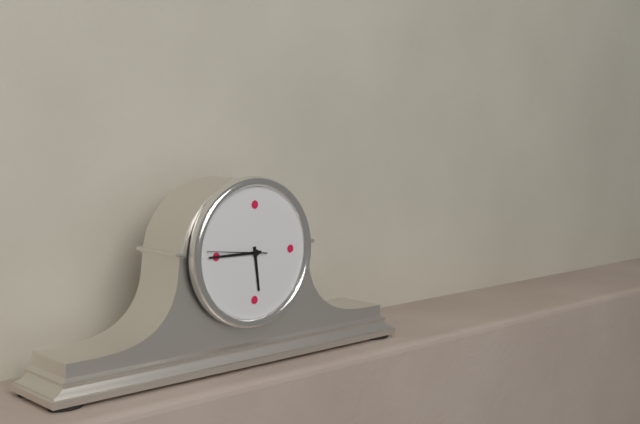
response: 5 h 45 min 46 s
